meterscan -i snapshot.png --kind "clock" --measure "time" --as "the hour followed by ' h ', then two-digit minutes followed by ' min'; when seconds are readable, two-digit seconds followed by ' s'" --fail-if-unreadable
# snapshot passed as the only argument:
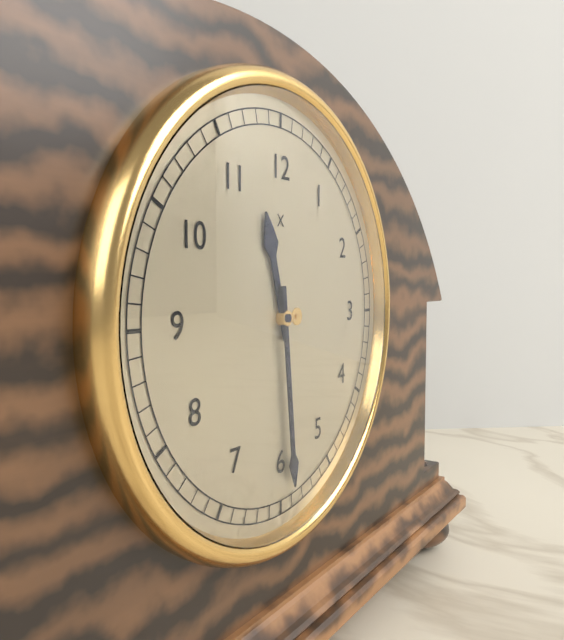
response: 11 h 29 min
